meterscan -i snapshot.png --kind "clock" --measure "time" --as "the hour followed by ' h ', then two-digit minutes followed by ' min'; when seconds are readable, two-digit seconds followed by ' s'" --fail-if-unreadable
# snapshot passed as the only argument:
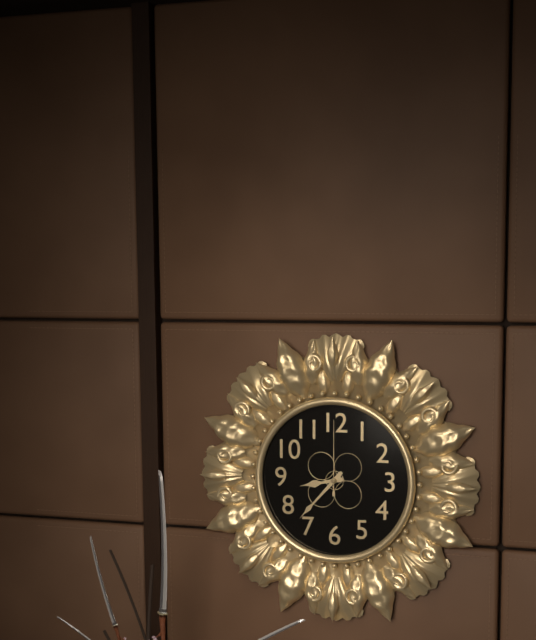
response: 8 h 37 min 00 s
